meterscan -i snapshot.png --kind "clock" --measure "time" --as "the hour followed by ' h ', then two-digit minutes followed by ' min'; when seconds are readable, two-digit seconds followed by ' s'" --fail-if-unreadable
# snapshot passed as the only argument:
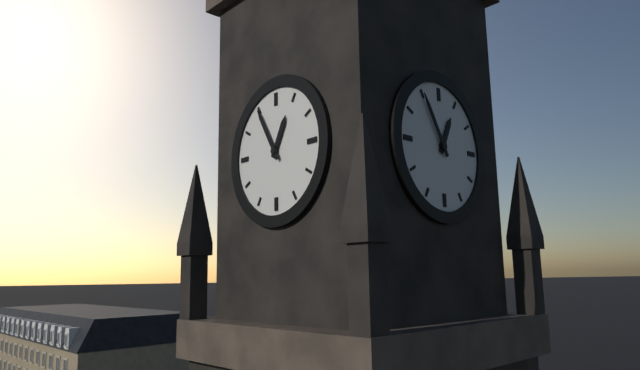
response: 12 h 55 min
